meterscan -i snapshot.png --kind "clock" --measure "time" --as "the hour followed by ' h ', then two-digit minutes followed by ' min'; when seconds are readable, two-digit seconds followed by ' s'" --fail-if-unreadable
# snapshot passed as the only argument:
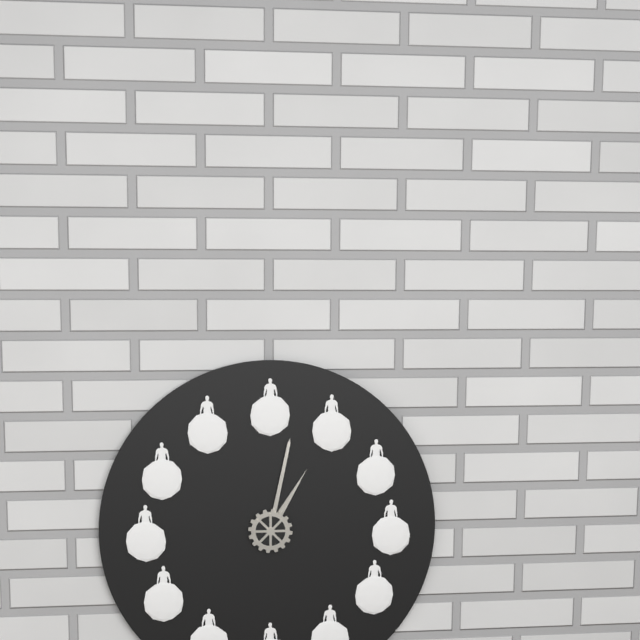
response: 1 h 02 min
